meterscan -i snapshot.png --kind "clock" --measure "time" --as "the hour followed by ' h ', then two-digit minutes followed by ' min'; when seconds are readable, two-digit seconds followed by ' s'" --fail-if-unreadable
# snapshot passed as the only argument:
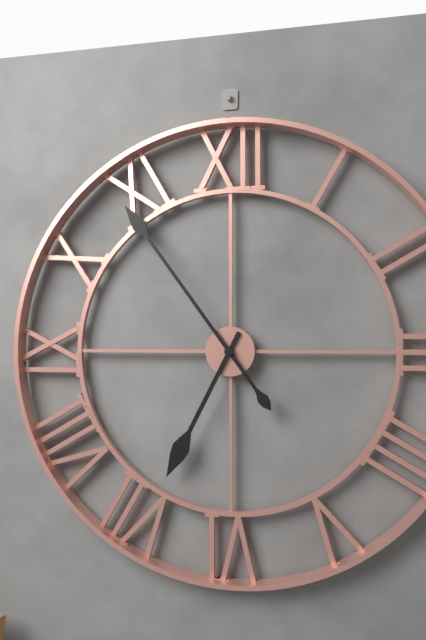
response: 6 h 54 min
